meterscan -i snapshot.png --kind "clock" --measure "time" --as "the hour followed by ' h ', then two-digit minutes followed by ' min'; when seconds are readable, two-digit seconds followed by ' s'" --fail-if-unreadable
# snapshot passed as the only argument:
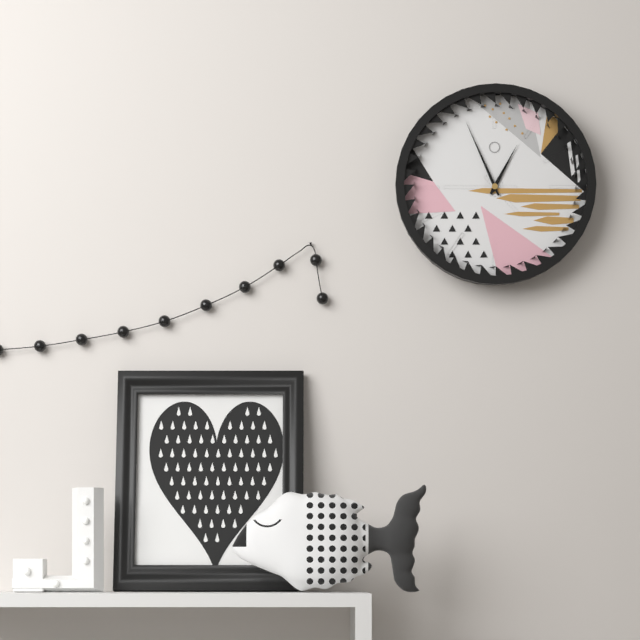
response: 12 h 56 min
